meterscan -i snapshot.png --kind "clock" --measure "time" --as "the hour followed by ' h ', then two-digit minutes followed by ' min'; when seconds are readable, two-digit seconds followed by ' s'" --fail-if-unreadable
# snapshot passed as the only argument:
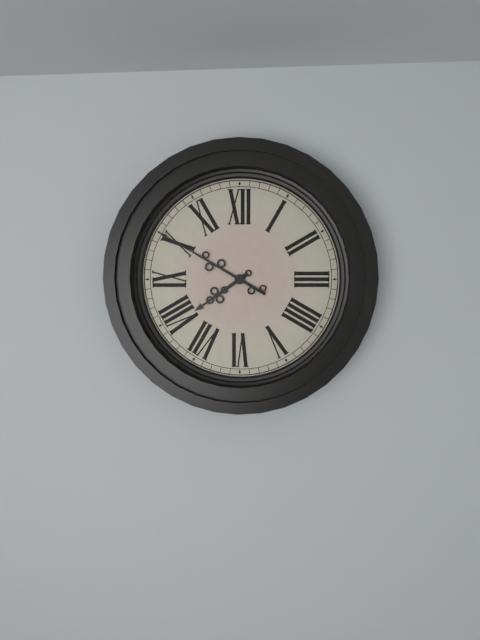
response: 7 h 50 min
